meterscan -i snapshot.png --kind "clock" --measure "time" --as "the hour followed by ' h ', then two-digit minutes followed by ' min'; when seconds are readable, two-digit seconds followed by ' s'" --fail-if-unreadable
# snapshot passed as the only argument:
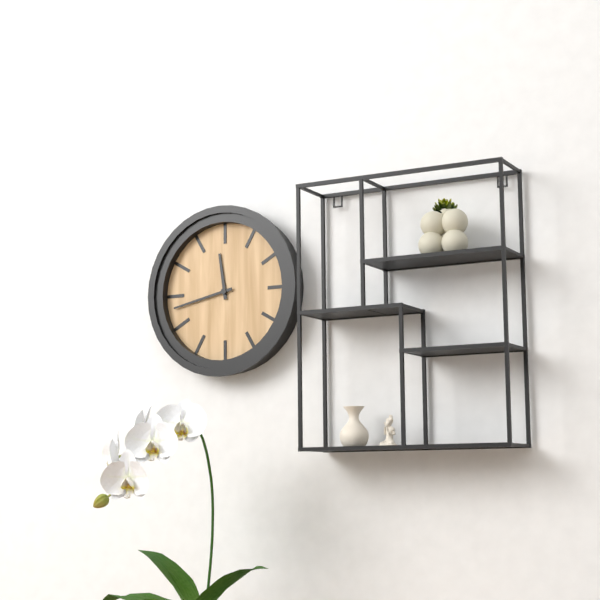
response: 11 h 43 min
